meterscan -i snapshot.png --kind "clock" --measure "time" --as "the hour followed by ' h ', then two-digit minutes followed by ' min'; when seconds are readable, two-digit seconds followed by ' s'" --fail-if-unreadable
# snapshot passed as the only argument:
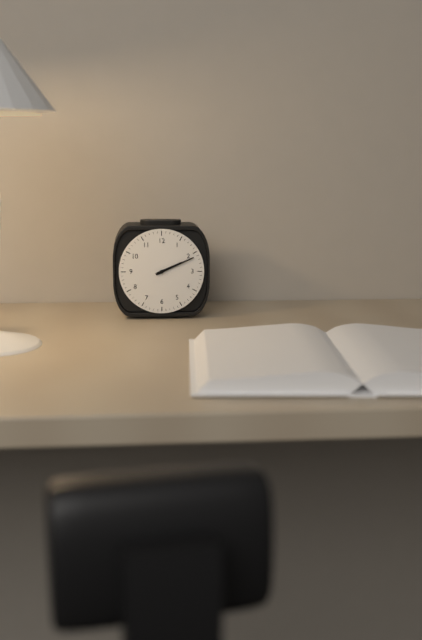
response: 2 h 11 min
